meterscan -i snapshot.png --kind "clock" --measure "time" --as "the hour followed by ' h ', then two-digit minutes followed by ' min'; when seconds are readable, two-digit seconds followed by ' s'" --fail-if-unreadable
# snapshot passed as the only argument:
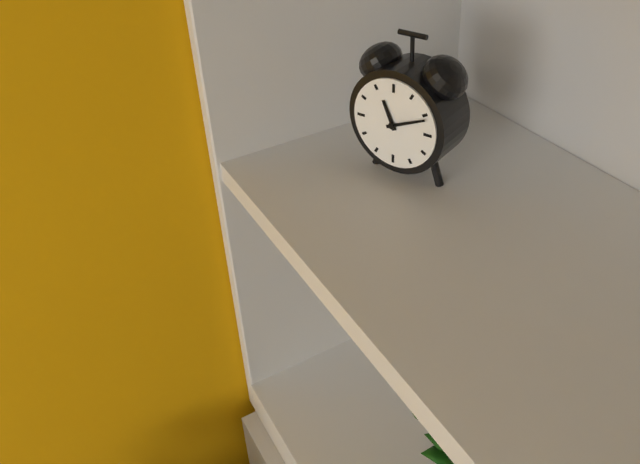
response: 11 h 11 min
